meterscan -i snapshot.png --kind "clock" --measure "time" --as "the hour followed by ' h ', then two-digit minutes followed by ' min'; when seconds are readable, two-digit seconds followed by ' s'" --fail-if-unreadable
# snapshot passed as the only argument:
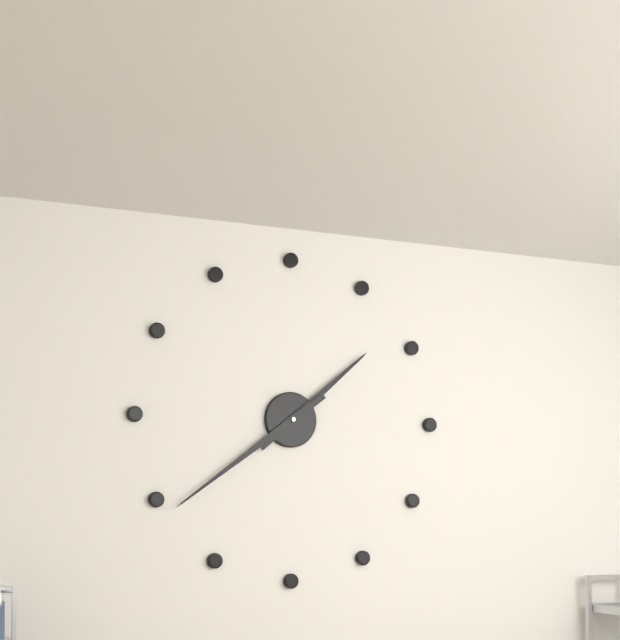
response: 1 h 39 min
